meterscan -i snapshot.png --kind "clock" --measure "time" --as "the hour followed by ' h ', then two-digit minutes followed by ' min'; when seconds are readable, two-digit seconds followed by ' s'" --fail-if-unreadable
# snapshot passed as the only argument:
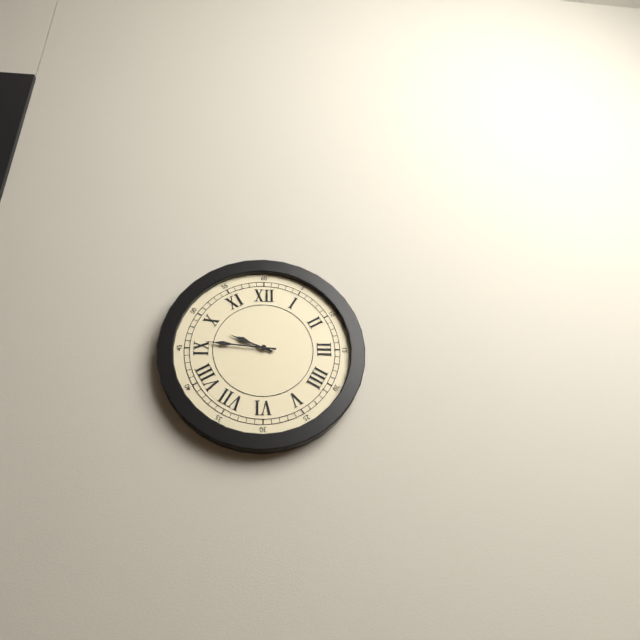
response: 9 h 46 min
